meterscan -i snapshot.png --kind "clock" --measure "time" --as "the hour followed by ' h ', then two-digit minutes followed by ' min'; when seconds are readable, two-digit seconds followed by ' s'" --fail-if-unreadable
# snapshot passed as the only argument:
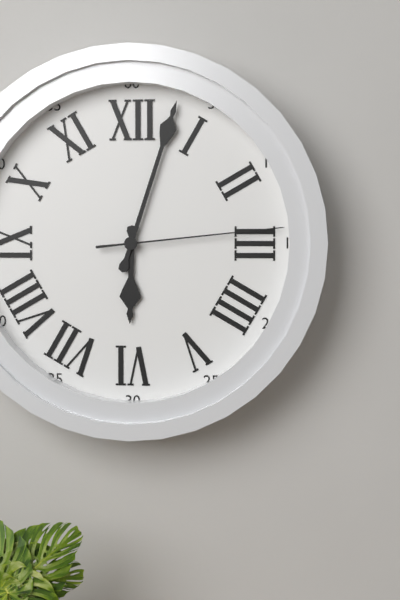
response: 6 h 03 min 14 s
